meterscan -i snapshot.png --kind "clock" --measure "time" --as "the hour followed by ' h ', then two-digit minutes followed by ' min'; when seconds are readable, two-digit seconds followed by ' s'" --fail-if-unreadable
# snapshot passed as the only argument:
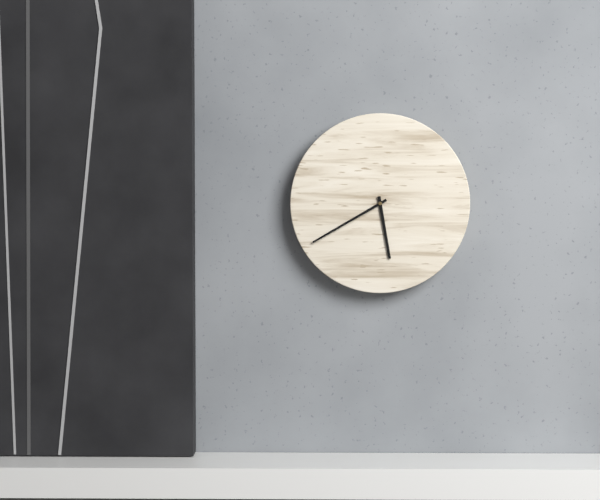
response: 5 h 40 min
